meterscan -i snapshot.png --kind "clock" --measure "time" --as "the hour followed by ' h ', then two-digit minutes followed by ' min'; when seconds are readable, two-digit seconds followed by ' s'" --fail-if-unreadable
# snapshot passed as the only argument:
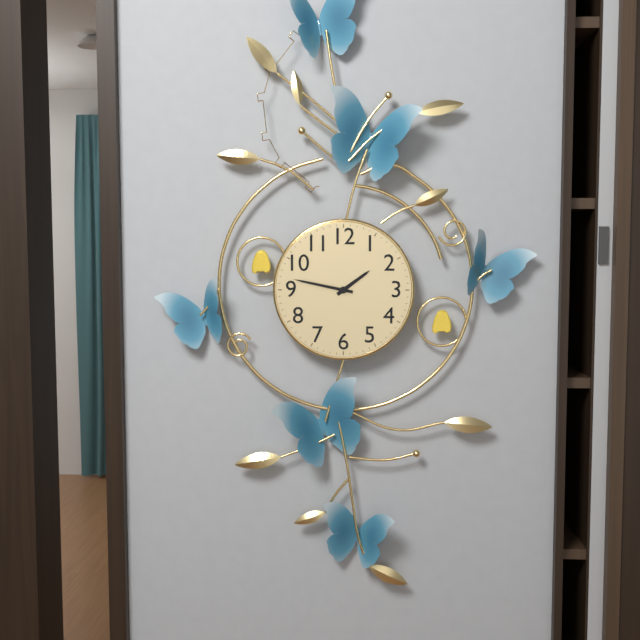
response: 1 h 47 min
